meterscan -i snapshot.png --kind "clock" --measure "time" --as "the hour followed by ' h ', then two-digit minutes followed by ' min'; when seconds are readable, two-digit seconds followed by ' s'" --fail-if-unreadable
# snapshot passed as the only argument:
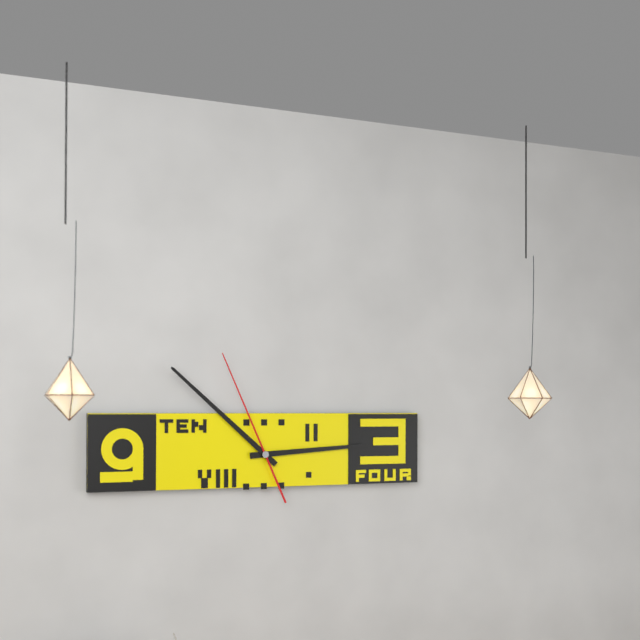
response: 2 h 52 min 56 s
